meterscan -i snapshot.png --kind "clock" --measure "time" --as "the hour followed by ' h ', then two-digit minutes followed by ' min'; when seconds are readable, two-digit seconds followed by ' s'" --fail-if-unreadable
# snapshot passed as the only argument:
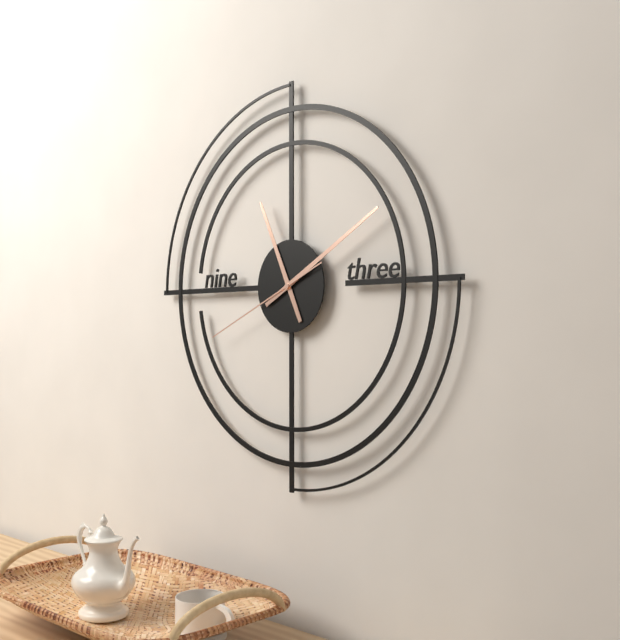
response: 11 h 10 min 41 s
